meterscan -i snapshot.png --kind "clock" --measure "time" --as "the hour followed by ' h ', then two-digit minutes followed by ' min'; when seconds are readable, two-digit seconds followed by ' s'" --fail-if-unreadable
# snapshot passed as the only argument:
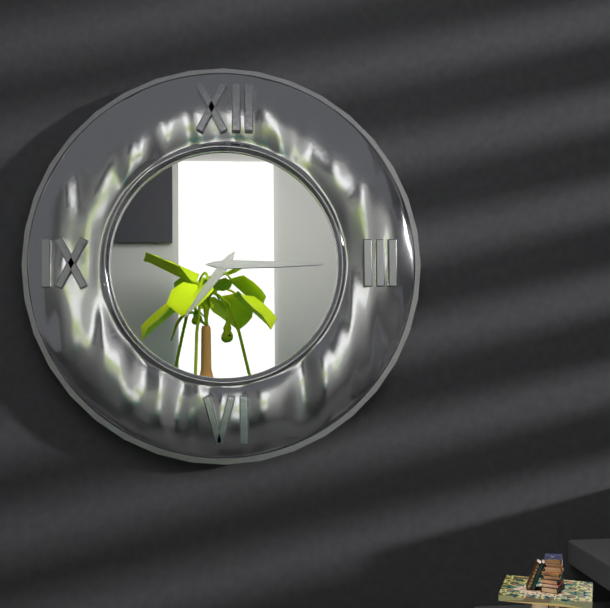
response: 7 h 15 min
